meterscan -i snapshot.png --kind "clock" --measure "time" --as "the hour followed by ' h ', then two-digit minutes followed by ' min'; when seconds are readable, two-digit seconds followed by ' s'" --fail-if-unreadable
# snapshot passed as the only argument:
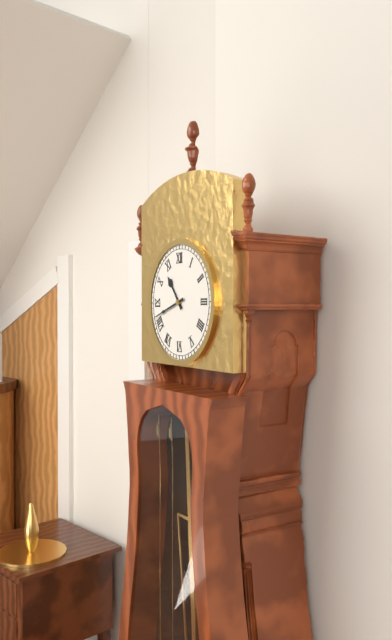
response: 10 h 42 min
